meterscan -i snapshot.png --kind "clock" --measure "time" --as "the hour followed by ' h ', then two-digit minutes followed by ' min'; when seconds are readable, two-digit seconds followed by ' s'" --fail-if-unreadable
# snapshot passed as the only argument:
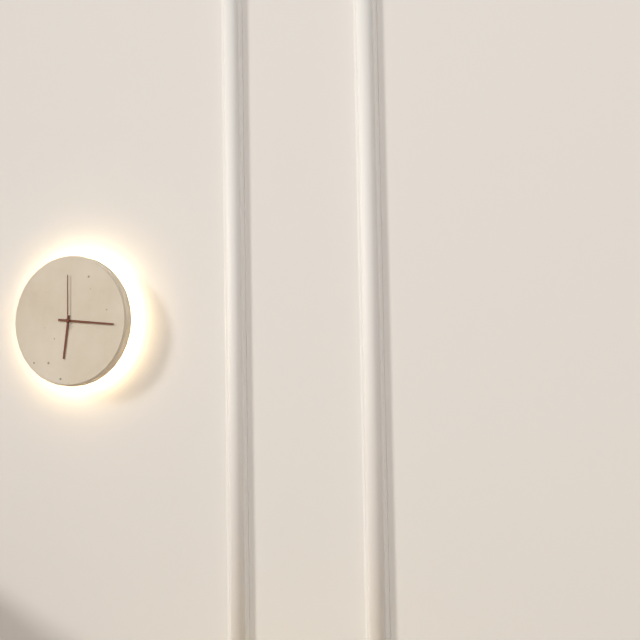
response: 6 h 16 min 00 s
